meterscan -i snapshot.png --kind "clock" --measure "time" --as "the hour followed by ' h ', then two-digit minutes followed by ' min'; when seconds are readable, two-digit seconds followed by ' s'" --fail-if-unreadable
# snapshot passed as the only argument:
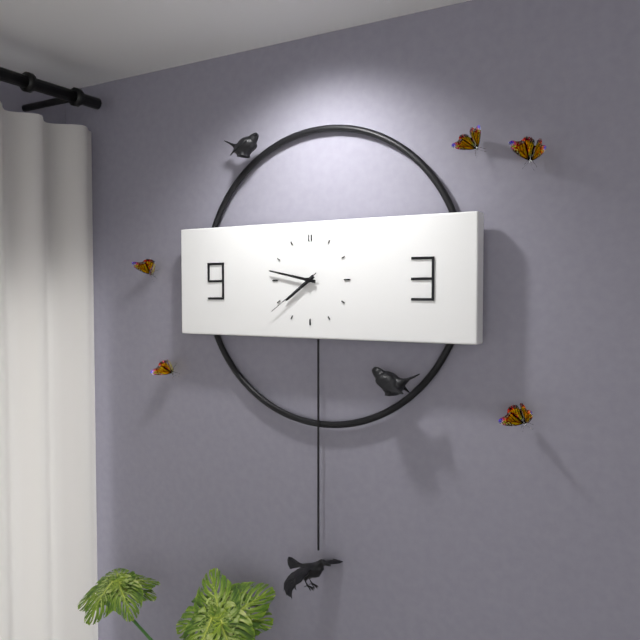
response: 7 h 47 min 39 s
